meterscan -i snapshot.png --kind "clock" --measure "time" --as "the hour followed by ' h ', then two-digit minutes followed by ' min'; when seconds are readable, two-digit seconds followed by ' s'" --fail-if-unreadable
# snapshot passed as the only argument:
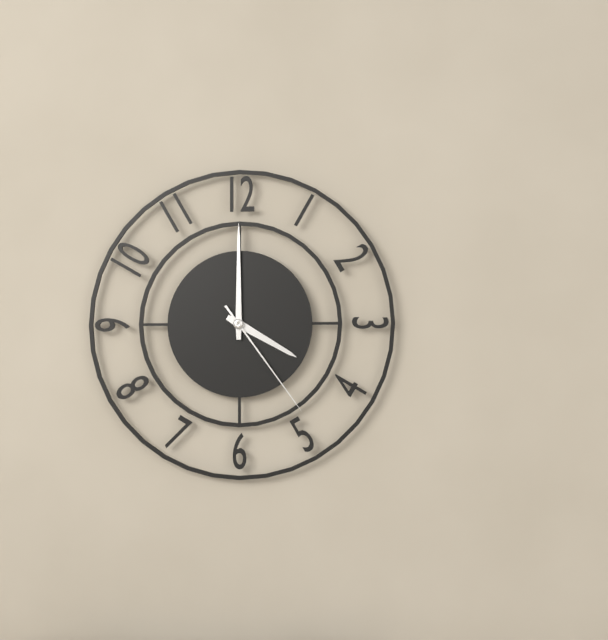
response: 4 h 00 min 24 s
